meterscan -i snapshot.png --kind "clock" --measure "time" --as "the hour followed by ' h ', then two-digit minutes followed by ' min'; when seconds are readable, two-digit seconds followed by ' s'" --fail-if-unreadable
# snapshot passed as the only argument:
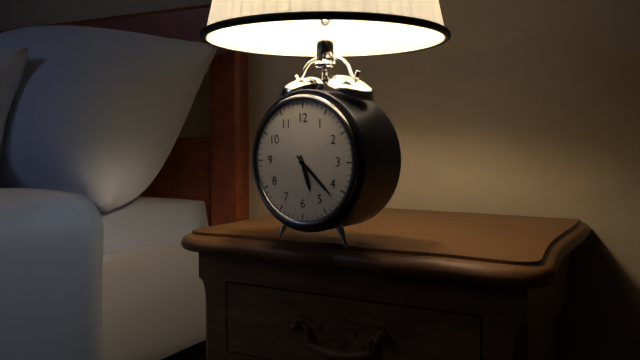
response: 5 h 22 min
